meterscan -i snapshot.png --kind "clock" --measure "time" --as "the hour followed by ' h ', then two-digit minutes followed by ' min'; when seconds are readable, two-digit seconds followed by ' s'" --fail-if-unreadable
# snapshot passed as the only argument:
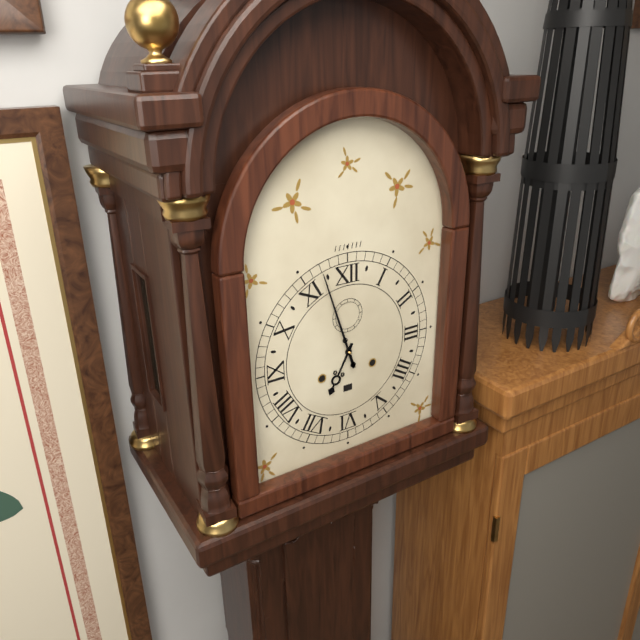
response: 6 h 57 min
